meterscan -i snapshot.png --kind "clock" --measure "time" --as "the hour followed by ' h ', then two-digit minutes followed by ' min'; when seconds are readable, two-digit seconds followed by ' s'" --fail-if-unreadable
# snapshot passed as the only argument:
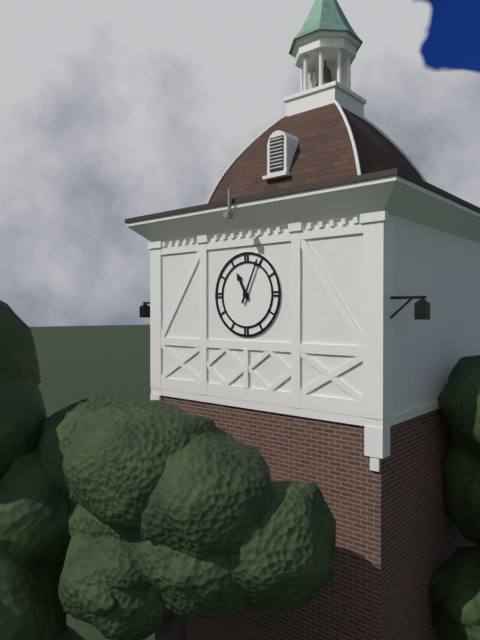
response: 11 h 04 min
